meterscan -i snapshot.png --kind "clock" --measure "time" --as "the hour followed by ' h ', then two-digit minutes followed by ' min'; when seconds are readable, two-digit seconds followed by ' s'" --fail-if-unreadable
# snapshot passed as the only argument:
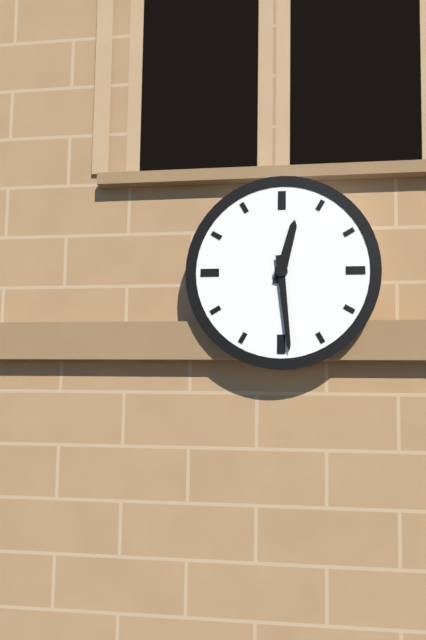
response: 12 h 29 min
